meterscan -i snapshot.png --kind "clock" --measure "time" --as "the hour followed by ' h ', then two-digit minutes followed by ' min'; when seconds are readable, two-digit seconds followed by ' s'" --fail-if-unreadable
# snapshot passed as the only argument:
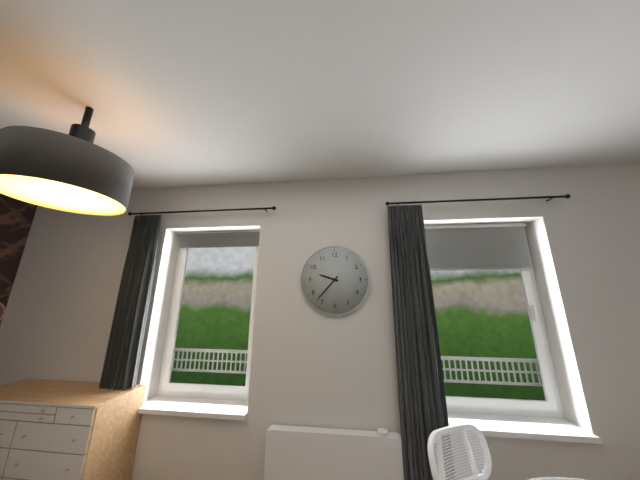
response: 9 h 37 min
